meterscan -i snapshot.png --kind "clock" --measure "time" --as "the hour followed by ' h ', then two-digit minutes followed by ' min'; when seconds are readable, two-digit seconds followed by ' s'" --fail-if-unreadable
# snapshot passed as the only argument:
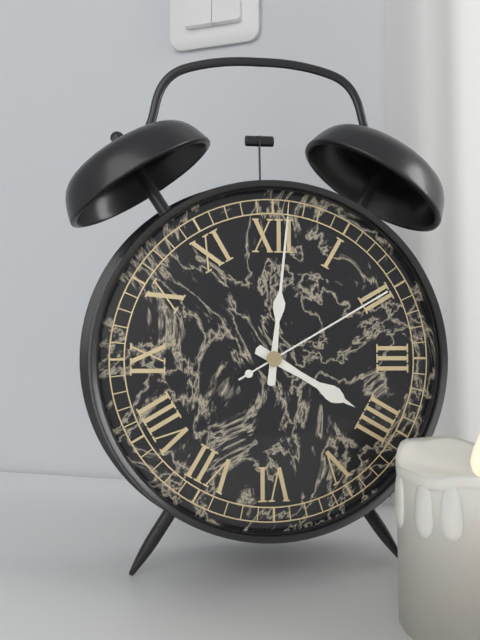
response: 4 h 01 min 10 s
